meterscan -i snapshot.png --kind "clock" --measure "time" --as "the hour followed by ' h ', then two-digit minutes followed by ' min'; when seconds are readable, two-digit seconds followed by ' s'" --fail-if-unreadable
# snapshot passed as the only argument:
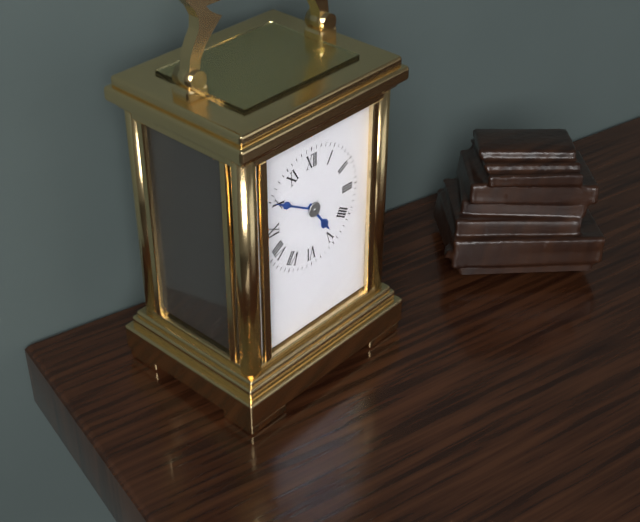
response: 4 h 50 min
